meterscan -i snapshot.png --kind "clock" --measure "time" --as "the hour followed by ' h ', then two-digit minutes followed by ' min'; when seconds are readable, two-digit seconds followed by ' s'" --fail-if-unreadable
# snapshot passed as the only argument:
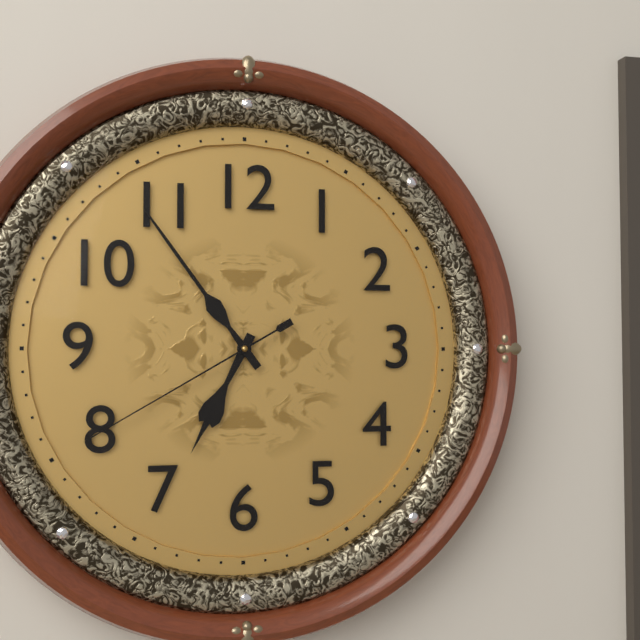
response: 6 h 54 min 40 s
